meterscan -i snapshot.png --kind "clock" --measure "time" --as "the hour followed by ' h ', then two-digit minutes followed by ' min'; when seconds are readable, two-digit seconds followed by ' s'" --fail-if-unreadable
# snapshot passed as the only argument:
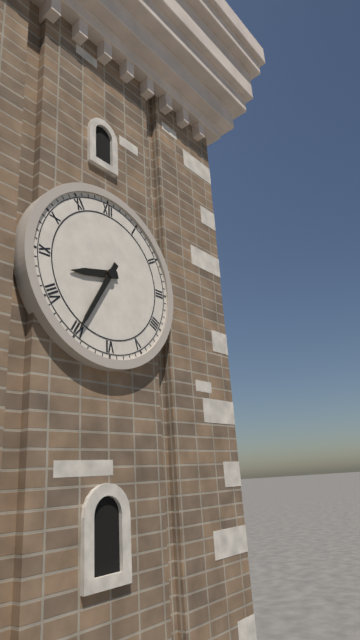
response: 8 h 35 min
